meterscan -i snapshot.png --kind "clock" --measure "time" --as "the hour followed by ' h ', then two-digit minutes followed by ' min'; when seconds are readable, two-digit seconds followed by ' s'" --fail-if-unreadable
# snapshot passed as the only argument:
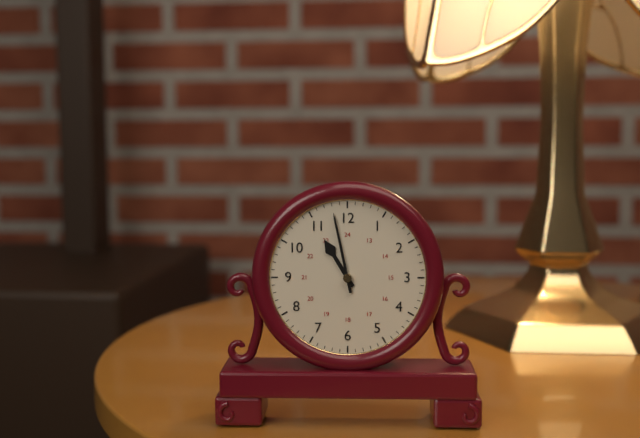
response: 10 h 58 min
